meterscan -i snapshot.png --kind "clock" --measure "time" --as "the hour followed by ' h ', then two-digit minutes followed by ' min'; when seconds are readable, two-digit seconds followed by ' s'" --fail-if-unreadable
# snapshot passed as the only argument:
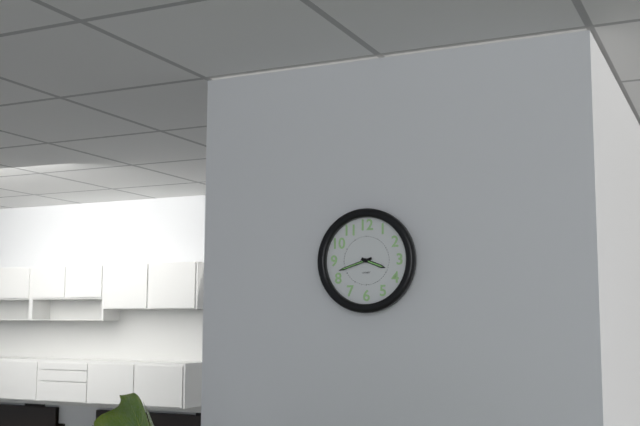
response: 3 h 42 min
